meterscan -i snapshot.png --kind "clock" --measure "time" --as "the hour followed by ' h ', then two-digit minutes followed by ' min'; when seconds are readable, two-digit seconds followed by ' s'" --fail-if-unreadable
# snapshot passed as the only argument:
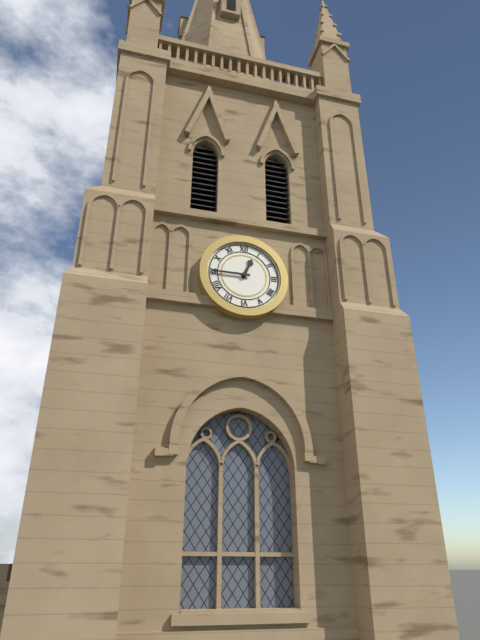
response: 12 h 45 min
